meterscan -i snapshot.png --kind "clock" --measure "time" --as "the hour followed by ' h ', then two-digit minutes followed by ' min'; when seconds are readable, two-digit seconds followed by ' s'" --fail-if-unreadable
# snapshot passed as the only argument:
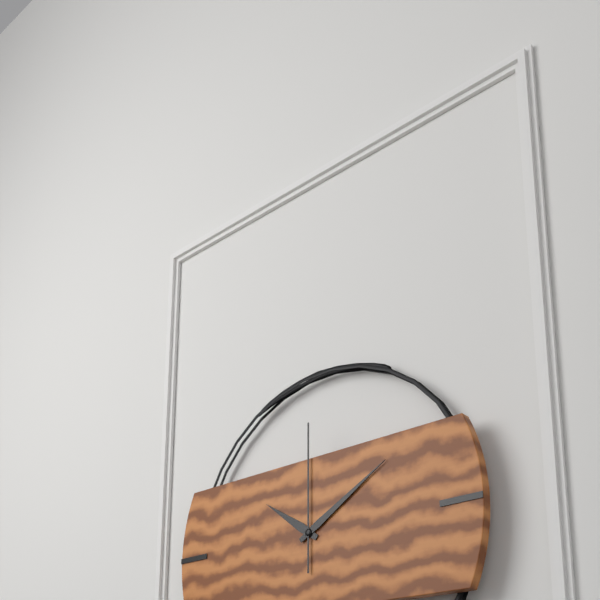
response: 10 h 10 min 00 s
